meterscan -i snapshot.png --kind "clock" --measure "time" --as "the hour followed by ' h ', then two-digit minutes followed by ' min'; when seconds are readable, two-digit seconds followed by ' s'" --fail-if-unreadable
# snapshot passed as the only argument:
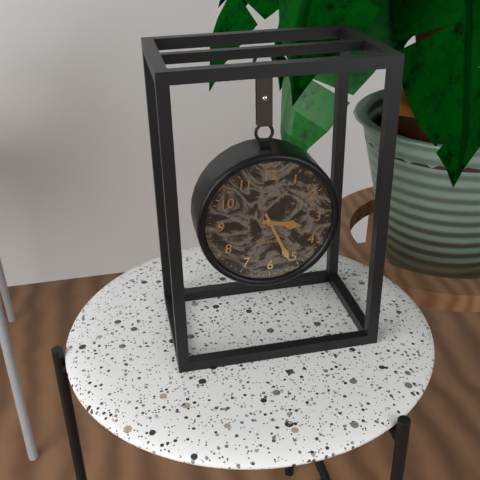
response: 3 h 26 min
